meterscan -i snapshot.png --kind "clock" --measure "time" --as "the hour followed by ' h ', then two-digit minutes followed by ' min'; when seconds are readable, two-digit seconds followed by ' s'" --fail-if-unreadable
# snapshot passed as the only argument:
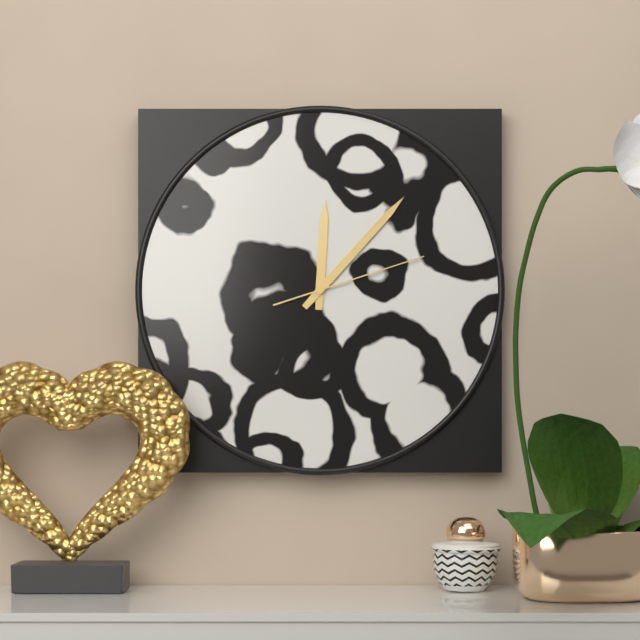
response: 12 h 07 min 12 s
